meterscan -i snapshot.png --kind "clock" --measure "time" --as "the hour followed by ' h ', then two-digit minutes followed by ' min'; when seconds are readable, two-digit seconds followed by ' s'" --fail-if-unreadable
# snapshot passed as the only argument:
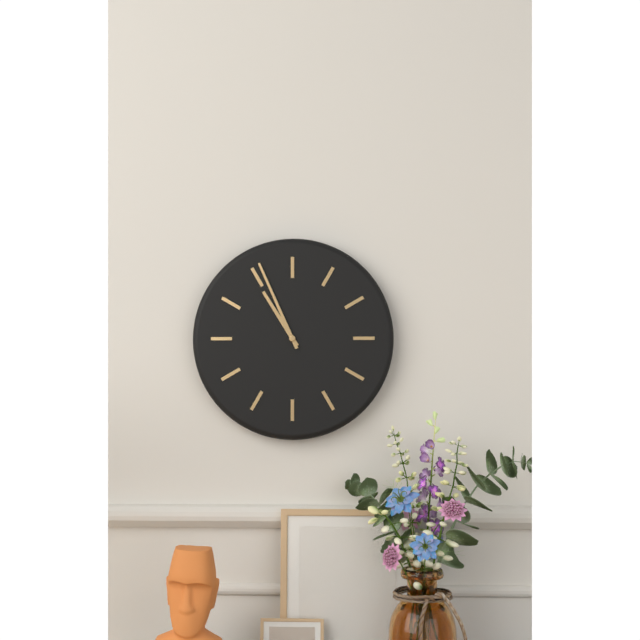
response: 10 h 56 min
